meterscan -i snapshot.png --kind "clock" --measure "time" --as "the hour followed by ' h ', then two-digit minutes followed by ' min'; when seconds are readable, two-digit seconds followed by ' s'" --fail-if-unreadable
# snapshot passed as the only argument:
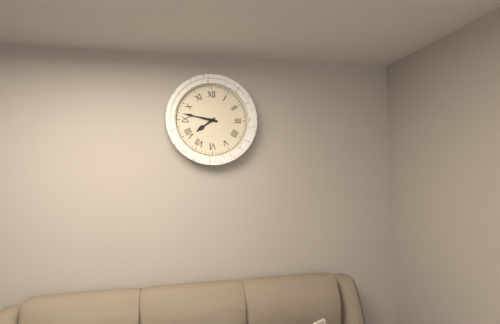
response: 7 h 47 min
